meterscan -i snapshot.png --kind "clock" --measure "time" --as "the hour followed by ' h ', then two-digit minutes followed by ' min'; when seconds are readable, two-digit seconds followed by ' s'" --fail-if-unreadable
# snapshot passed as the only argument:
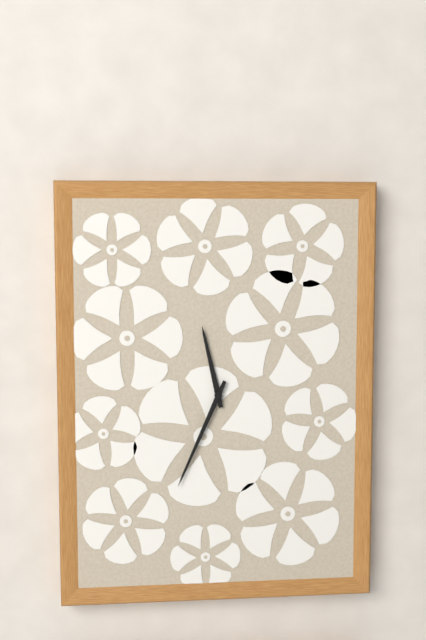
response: 11 h 34 min
